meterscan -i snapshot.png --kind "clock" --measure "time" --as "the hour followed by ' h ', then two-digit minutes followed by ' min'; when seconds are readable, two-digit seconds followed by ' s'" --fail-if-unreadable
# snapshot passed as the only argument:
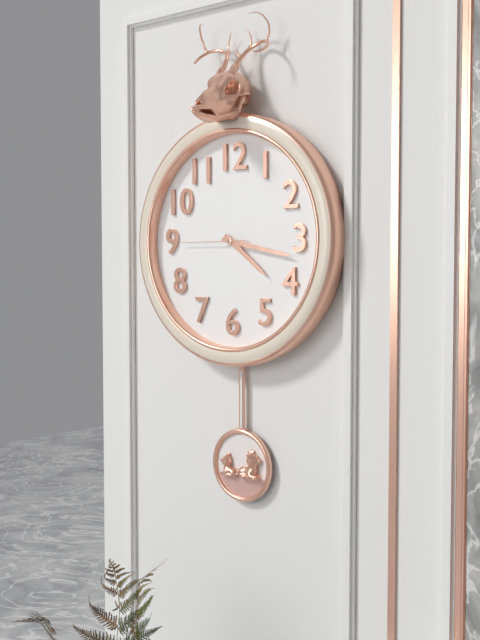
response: 4 h 17 min 45 s
